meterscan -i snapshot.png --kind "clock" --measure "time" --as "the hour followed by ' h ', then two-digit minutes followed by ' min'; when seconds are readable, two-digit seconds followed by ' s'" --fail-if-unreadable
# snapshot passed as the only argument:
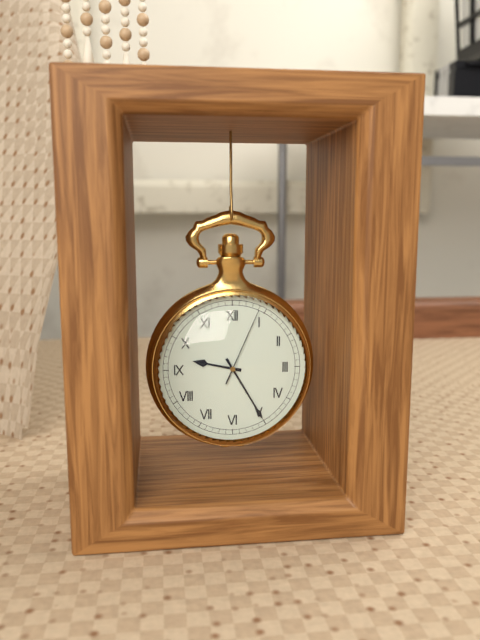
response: 9 h 25 min 04 s
